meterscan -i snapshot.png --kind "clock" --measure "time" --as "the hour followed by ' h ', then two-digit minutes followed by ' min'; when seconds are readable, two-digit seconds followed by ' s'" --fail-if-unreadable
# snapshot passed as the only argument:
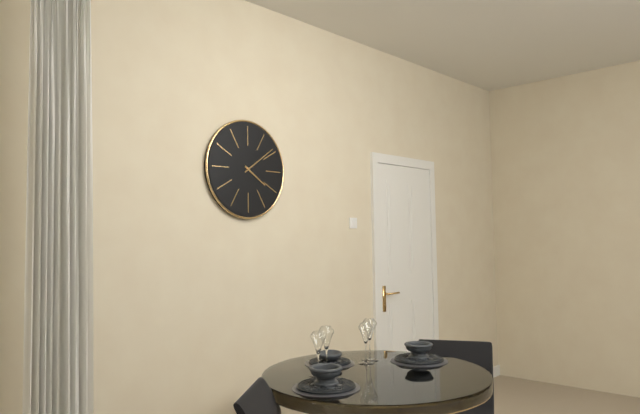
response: 4 h 09 min
